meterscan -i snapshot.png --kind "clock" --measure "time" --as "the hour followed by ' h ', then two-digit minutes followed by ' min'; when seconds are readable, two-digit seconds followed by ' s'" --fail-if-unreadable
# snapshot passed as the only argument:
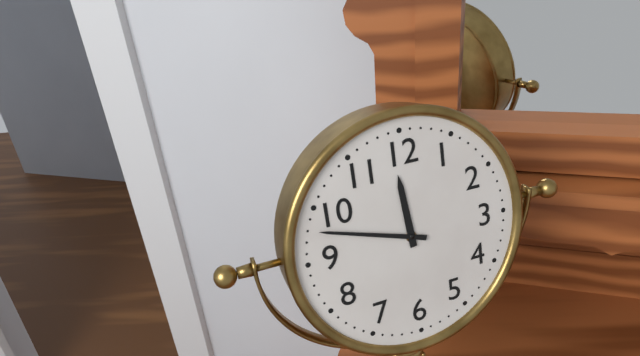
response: 11 h 48 min
